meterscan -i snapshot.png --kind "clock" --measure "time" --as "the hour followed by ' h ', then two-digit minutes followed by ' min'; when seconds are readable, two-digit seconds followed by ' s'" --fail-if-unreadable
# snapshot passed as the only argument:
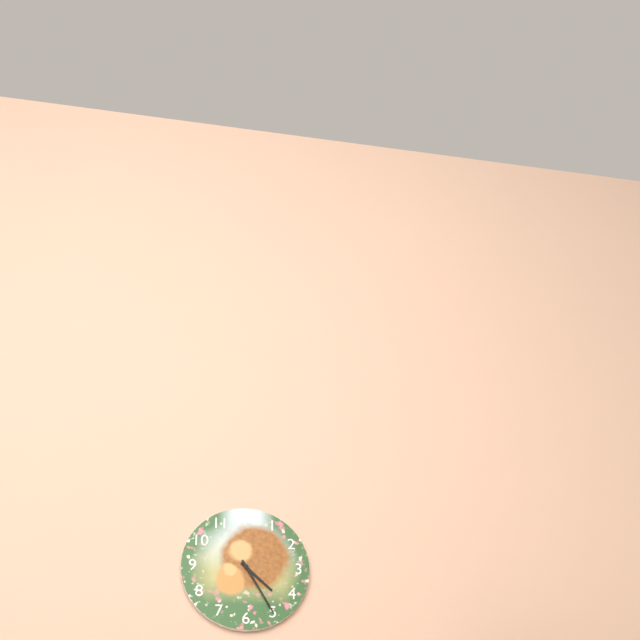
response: 4 h 25 min
